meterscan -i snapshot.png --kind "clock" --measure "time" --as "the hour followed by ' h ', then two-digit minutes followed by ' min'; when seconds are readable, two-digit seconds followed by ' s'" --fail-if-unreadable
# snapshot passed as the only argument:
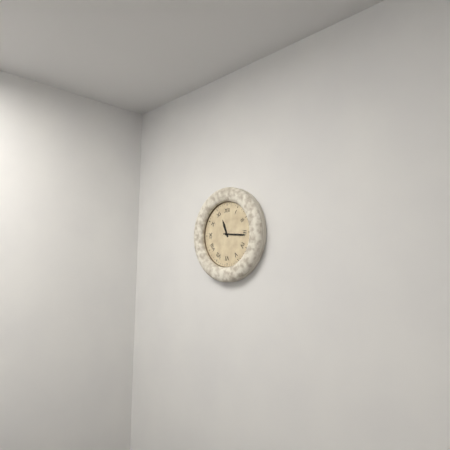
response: 11 h 16 min
